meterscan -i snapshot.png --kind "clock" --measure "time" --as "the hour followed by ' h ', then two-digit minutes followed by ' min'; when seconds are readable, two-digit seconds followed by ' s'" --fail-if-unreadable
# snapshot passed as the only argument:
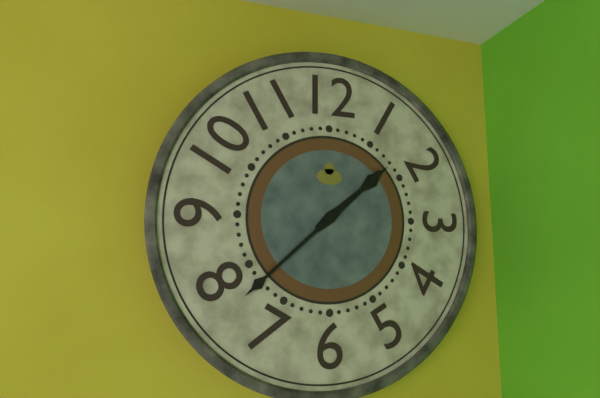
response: 1 h 38 min
